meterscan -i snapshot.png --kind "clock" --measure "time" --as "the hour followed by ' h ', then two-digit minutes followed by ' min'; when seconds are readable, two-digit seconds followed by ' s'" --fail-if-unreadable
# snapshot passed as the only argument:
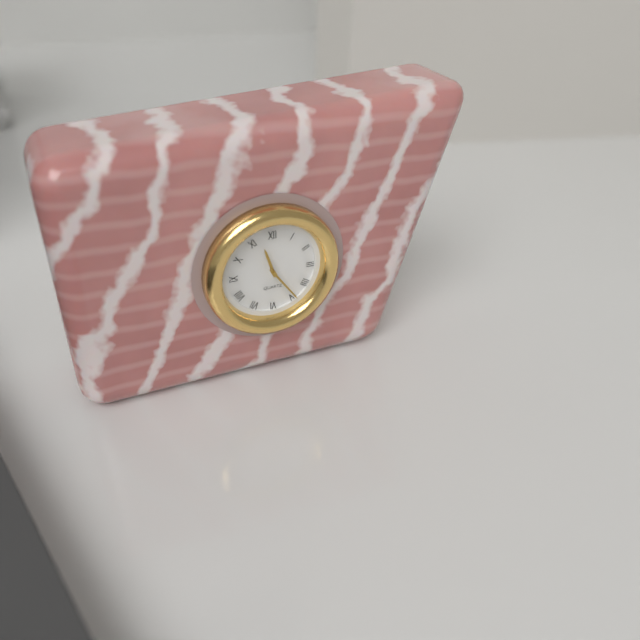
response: 11 h 24 min
